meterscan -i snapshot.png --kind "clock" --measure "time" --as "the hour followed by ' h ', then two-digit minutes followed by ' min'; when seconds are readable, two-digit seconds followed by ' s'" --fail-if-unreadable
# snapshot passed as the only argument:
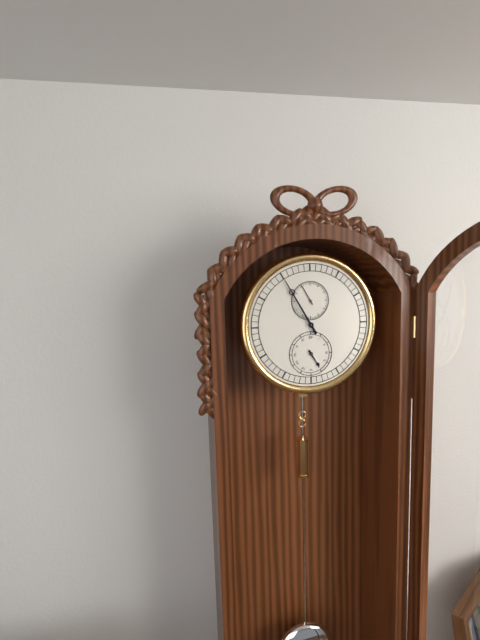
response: 4 h 55 min
